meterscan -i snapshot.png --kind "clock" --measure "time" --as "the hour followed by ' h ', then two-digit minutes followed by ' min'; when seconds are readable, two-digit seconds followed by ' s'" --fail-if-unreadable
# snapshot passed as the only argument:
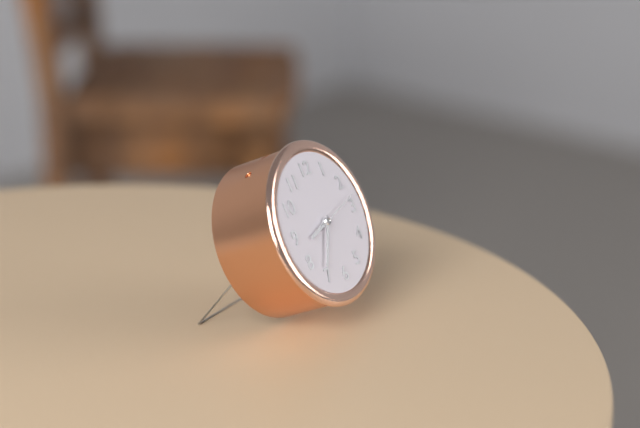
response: 8 h 36 min
